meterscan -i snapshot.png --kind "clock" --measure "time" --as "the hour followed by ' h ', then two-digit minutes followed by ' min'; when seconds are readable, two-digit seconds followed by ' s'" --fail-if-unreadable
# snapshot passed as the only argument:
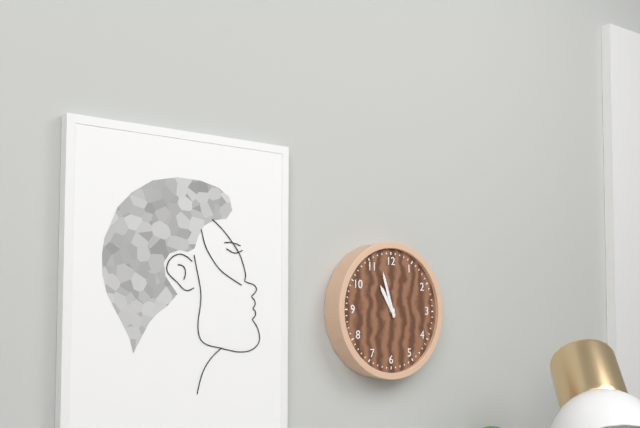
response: 10 h 57 min
